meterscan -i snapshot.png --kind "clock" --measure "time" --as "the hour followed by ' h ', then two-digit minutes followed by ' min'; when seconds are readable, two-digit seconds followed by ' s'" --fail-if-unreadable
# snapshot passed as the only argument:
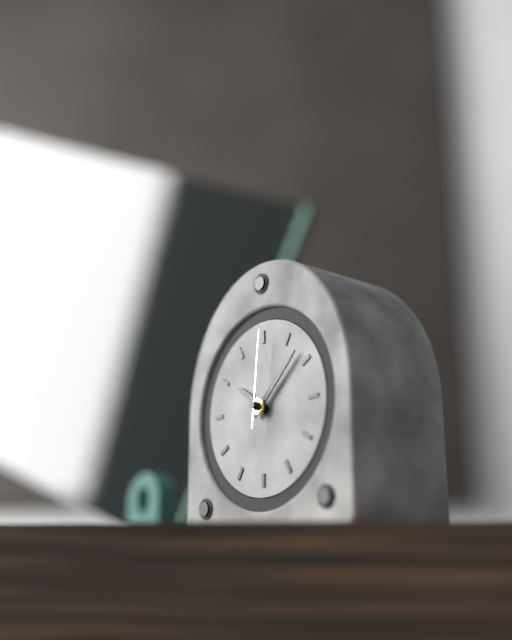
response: 10 h 08 min 01 s
